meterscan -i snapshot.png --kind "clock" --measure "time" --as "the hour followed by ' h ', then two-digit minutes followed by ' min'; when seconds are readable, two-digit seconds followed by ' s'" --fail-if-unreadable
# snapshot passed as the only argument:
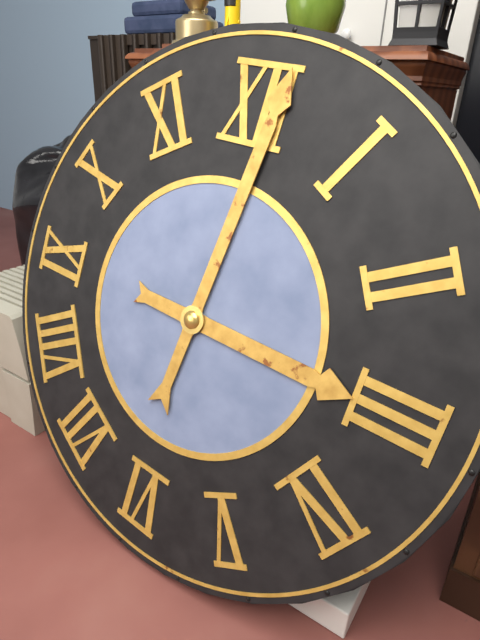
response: 3 h 01 min
